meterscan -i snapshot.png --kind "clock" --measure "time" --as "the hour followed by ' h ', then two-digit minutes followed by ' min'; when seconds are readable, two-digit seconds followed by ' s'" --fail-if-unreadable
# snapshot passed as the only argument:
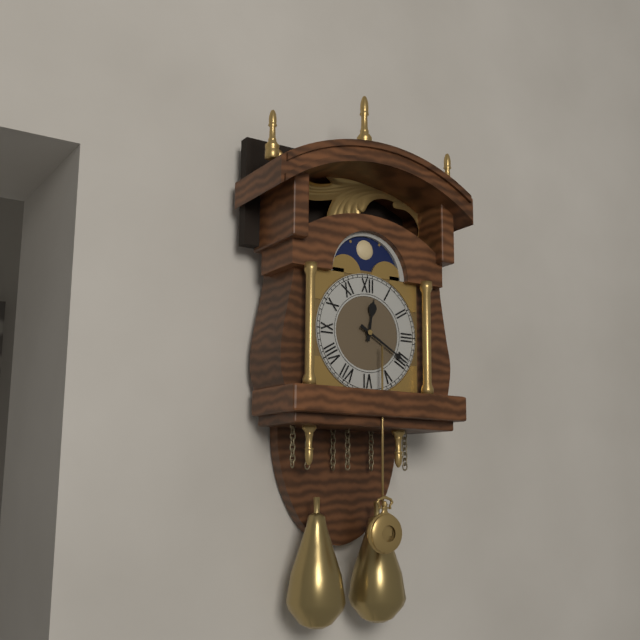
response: 12 h 20 min
